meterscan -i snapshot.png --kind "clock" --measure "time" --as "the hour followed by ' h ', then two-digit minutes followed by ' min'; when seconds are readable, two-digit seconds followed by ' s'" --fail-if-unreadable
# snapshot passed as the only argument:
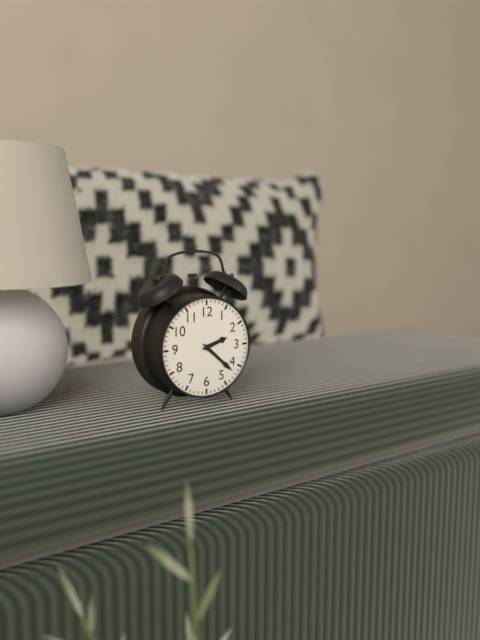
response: 2 h 22 min
